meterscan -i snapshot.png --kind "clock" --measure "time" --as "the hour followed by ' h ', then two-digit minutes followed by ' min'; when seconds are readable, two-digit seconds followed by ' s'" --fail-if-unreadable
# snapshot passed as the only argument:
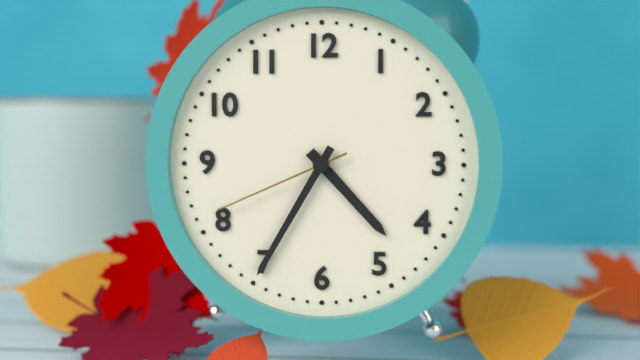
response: 4 h 35 min 41 s
